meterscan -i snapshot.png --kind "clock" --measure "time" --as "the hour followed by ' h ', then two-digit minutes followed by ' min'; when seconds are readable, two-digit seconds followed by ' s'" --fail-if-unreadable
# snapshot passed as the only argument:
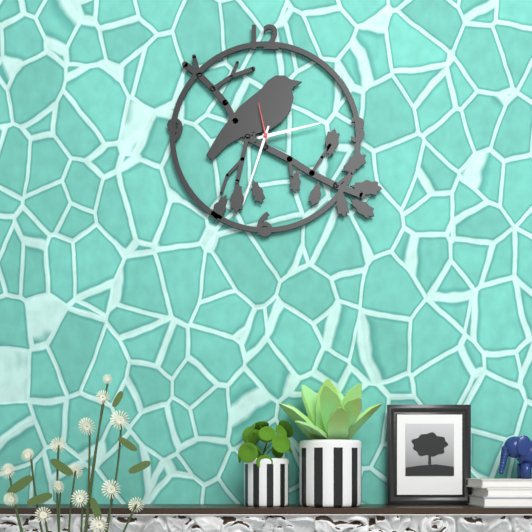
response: 2 h 33 min
